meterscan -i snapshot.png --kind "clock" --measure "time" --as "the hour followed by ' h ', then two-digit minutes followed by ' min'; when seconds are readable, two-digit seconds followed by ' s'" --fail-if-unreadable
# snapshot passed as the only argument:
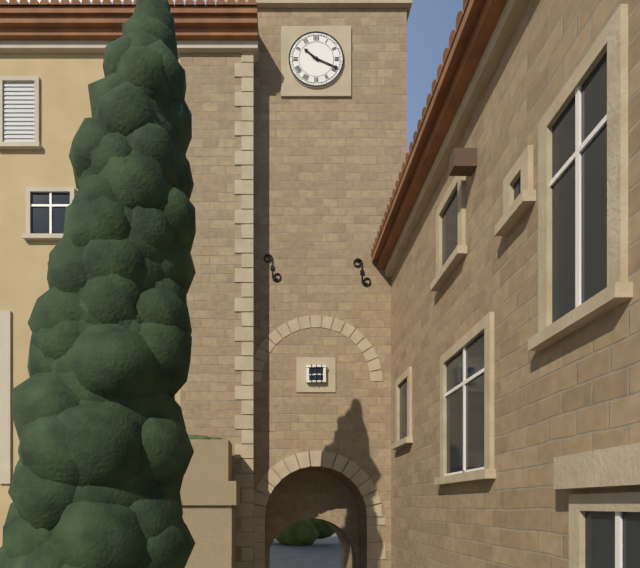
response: 10 h 19 min
